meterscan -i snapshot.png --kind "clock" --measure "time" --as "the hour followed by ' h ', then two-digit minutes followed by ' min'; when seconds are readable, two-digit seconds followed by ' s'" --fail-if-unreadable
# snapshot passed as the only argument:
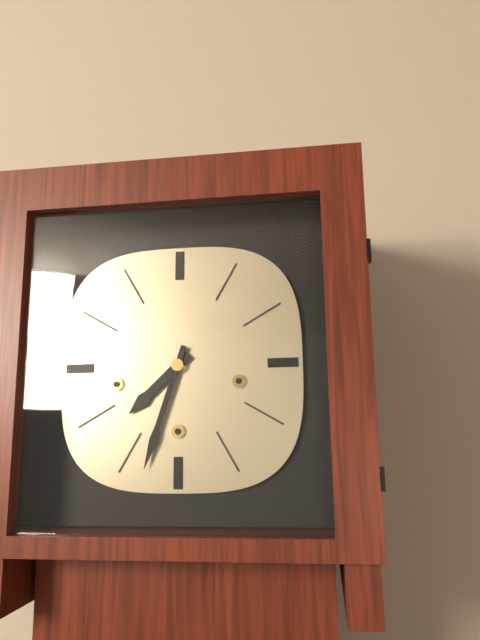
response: 7 h 33 min
